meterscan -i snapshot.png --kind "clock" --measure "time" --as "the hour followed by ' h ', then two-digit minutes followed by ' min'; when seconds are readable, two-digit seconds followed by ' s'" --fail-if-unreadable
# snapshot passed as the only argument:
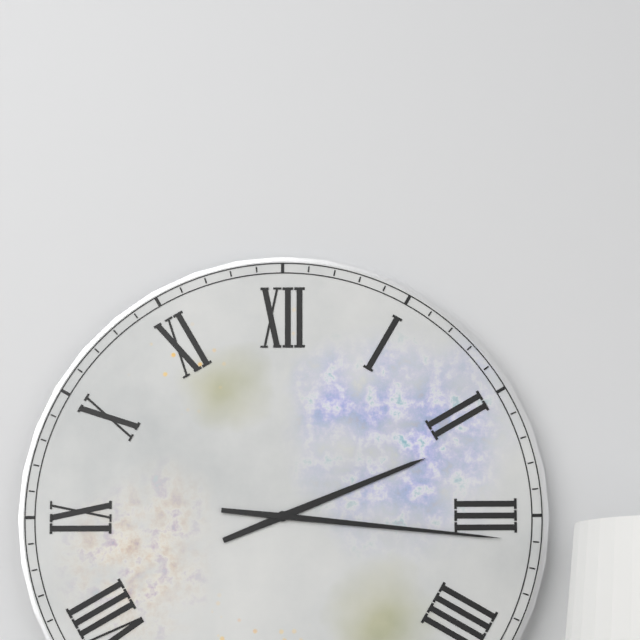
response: 2 h 16 min
